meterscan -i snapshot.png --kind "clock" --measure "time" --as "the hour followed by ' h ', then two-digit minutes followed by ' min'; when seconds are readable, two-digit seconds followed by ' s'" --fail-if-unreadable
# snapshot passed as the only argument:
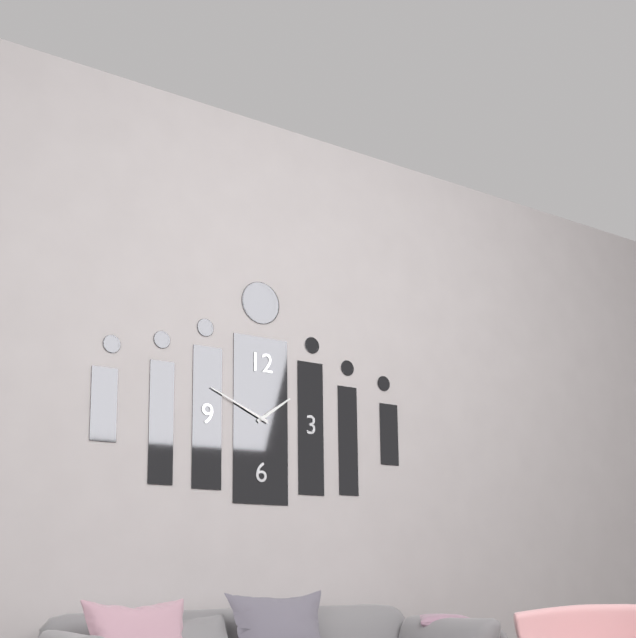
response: 1 h 49 min
